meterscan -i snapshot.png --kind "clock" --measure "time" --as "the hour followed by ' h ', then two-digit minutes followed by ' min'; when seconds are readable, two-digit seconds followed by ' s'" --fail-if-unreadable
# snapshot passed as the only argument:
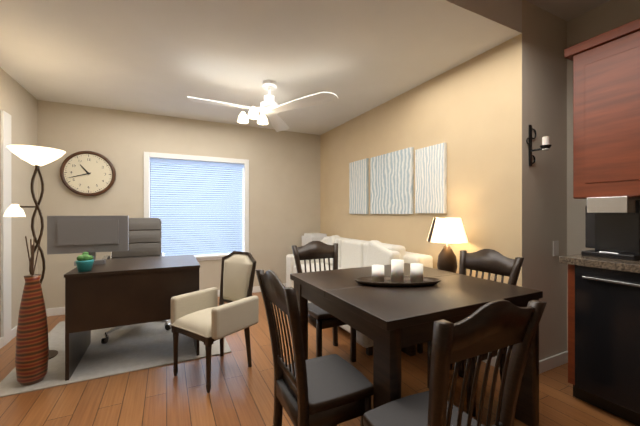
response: 10 h 42 min
